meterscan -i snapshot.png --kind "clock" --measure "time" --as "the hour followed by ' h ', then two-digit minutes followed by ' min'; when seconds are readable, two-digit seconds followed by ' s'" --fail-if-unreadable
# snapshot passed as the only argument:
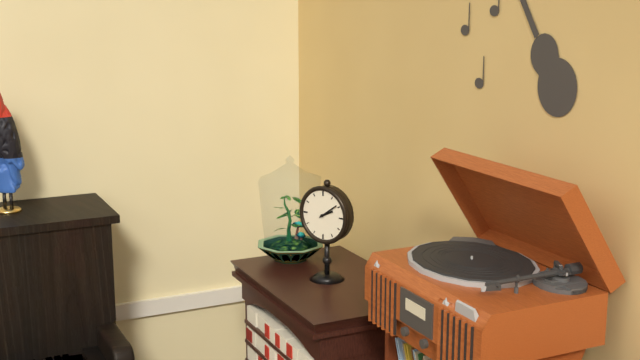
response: 2 h 09 min
